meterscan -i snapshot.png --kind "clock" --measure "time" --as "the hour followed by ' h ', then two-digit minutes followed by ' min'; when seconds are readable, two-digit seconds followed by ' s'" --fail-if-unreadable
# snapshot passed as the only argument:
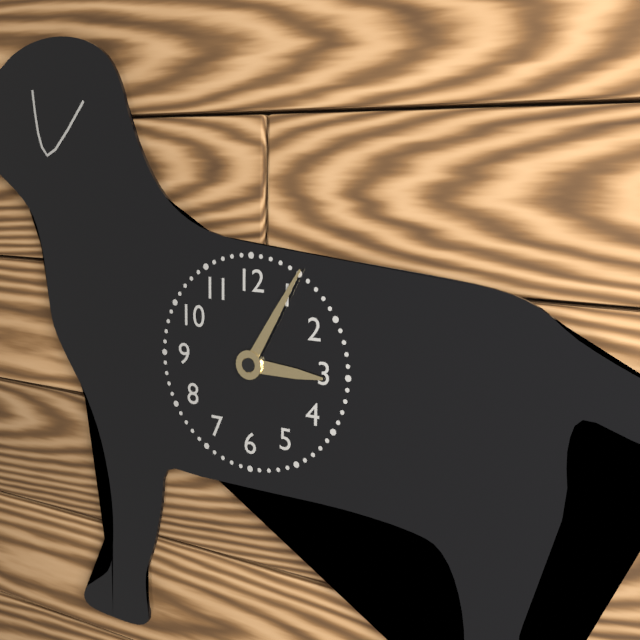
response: 3 h 05 min
